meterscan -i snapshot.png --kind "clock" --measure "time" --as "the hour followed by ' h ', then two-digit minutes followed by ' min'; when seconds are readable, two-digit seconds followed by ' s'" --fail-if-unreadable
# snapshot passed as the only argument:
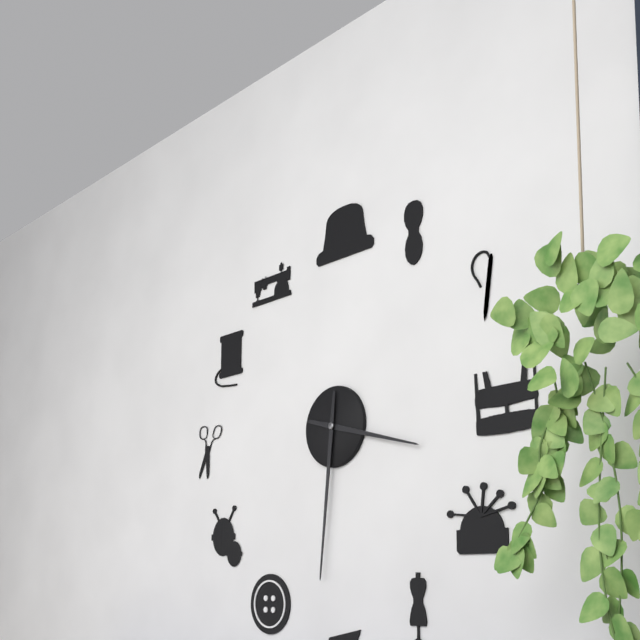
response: 3 h 31 min
